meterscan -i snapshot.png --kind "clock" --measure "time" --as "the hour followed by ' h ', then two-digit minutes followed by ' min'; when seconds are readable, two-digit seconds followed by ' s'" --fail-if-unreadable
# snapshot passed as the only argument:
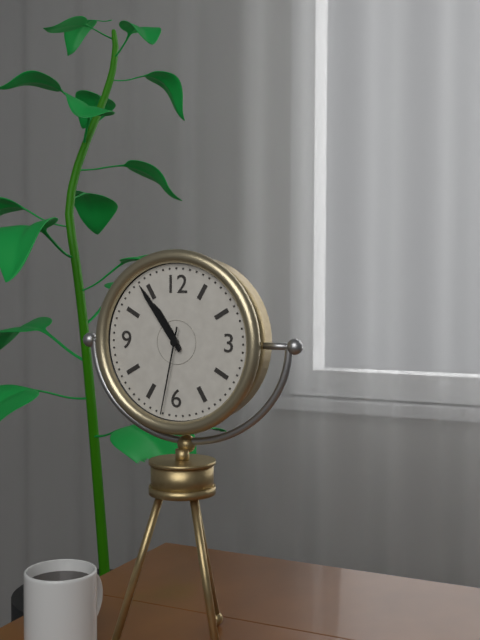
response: 10 h 54 min 32 s
